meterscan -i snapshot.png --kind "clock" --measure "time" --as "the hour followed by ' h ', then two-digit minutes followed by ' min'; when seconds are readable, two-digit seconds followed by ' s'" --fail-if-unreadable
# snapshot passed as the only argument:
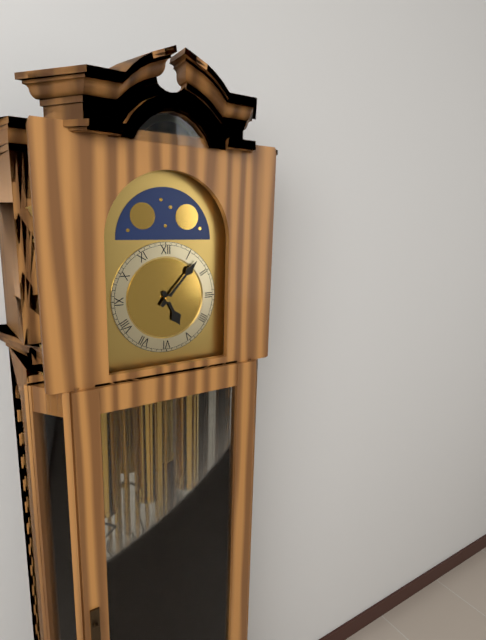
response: 5 h 07 min
